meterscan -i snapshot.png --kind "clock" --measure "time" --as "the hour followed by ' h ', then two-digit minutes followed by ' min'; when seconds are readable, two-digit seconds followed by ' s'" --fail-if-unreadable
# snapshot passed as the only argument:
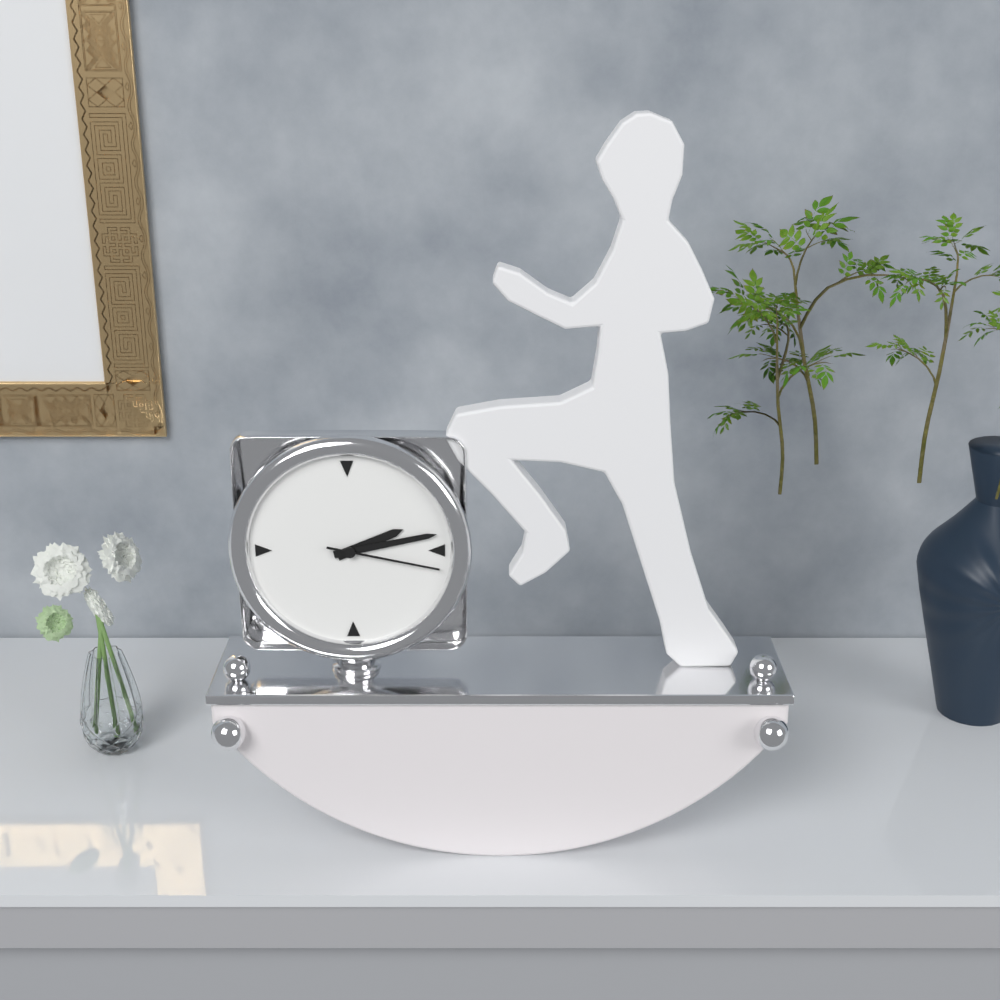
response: 2 h 13 min 17 s
